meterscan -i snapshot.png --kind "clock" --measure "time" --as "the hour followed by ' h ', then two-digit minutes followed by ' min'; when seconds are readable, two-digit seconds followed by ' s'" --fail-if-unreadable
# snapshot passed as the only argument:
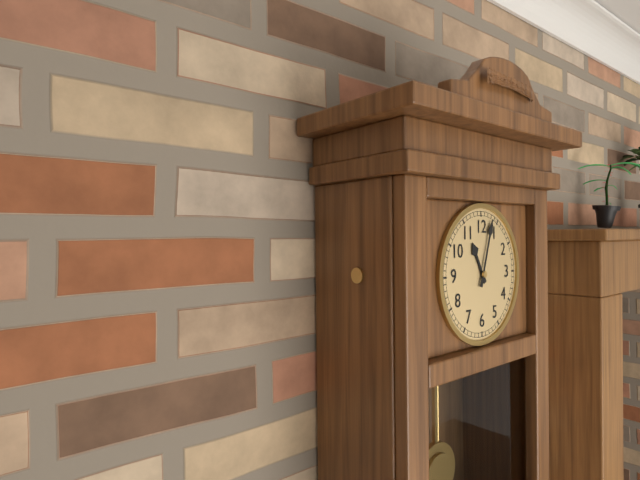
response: 11 h 03 min
